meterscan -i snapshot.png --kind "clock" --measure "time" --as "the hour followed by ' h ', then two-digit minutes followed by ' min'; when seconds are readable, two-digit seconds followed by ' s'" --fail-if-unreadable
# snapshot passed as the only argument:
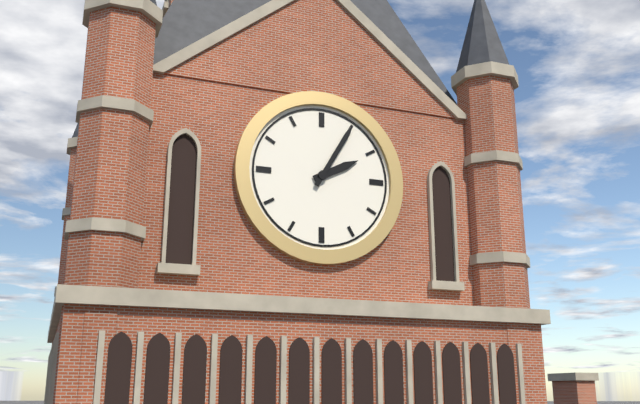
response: 2 h 05 min
